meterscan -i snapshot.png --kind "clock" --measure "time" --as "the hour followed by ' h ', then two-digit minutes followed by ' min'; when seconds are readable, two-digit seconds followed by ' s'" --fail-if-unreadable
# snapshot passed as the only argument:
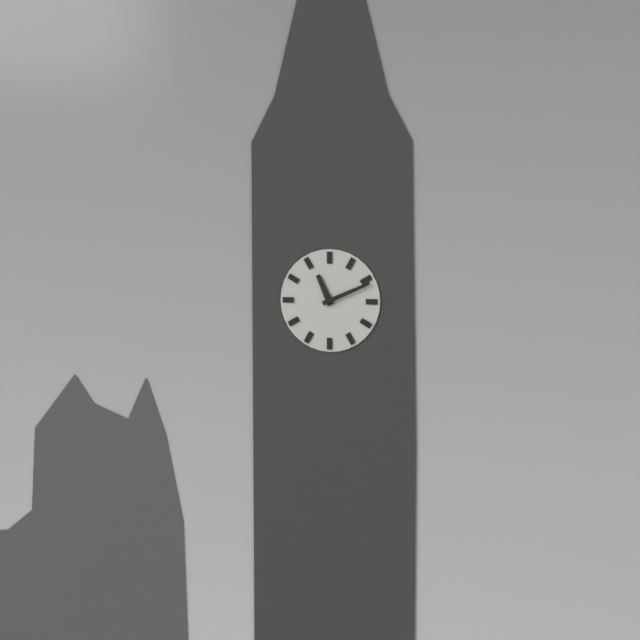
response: 11 h 11 min
